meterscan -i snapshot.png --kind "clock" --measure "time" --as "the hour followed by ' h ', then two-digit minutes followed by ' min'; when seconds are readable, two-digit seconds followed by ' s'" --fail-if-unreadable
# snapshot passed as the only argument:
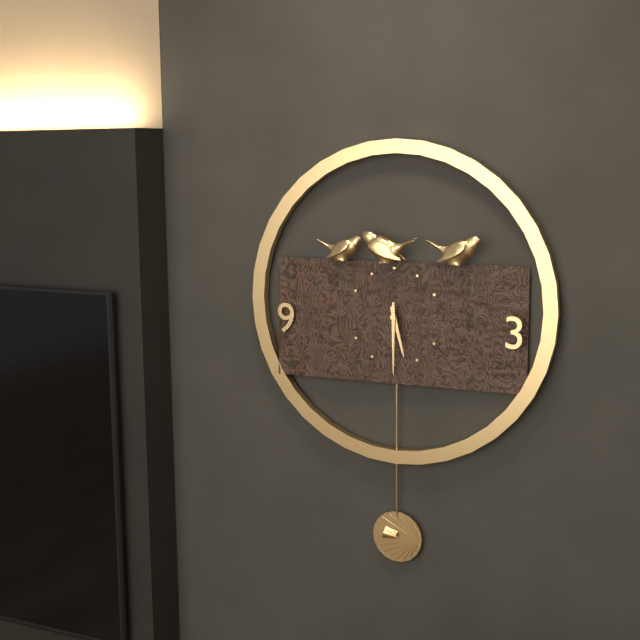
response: 5 h 30 min
